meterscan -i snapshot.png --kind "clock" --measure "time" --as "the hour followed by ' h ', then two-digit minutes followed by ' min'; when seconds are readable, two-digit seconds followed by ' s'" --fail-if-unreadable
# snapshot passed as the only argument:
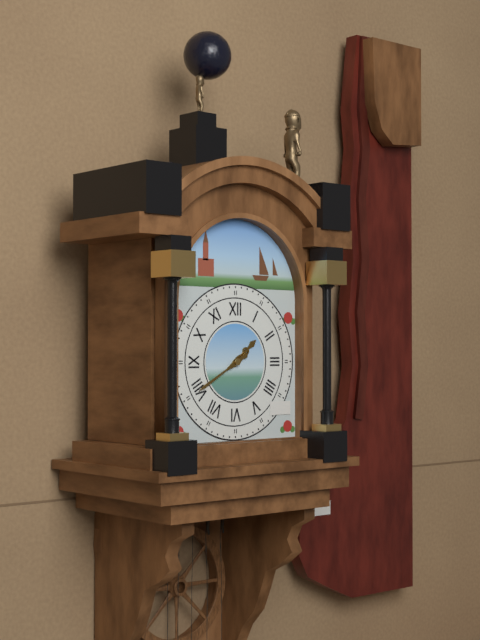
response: 1 h 40 min
